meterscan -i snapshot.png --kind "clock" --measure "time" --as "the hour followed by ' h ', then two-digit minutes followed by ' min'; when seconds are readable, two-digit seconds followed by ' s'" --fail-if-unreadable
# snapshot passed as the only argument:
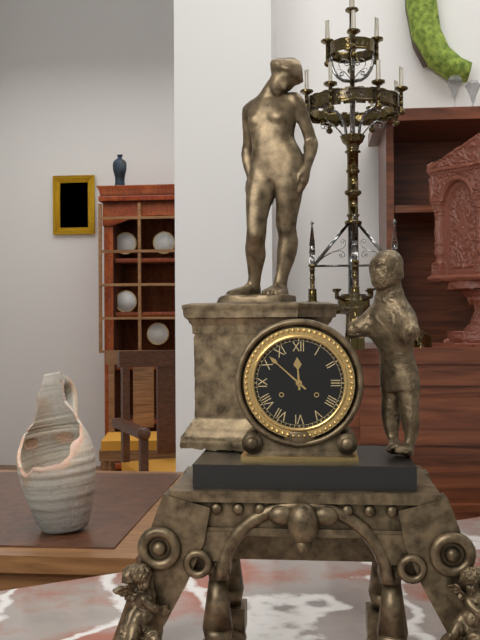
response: 11 h 52 min
